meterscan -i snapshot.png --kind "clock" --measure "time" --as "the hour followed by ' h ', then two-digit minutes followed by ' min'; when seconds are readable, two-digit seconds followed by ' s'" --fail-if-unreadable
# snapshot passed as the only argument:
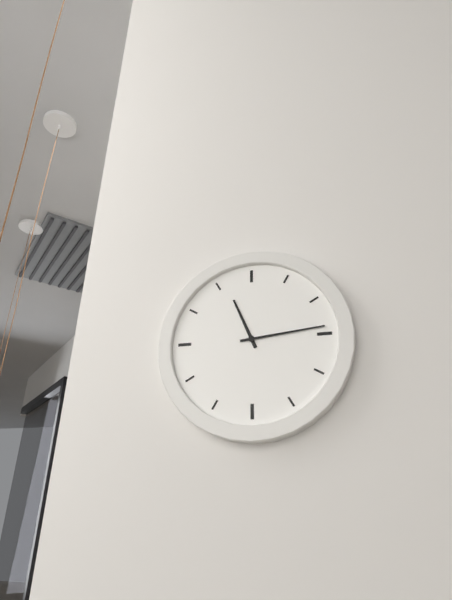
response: 11 h 14 min
